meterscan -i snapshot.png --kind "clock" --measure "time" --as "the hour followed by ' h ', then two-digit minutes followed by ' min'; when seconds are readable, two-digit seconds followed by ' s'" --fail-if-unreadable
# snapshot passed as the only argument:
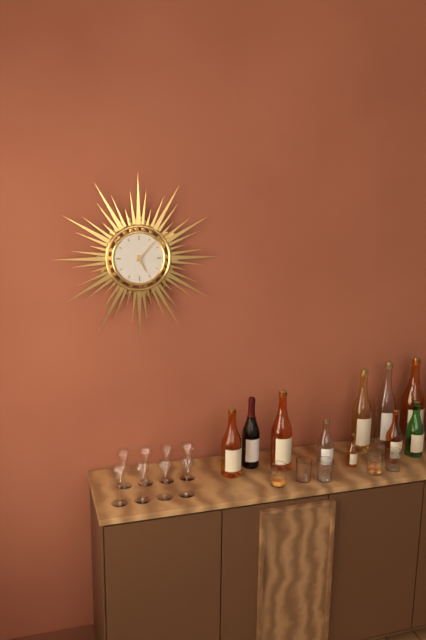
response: 5 h 07 min
